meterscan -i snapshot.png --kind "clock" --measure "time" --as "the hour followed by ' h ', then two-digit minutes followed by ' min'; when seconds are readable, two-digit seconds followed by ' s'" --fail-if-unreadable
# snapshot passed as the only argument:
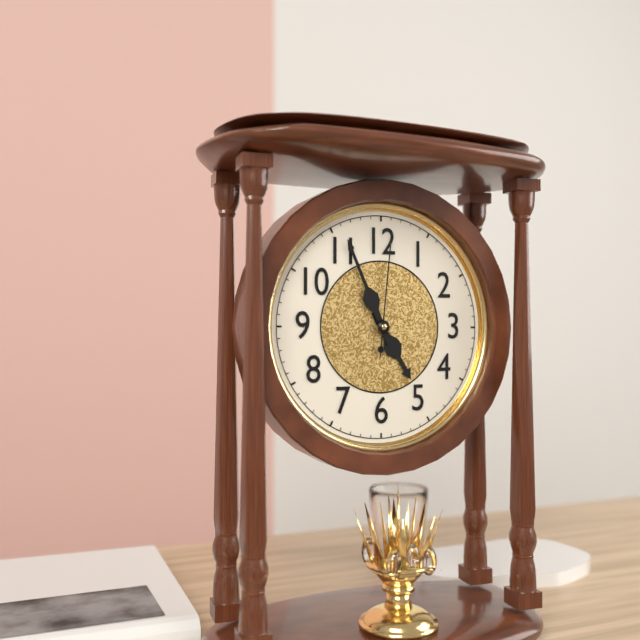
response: 4 h 56 min 01 s
